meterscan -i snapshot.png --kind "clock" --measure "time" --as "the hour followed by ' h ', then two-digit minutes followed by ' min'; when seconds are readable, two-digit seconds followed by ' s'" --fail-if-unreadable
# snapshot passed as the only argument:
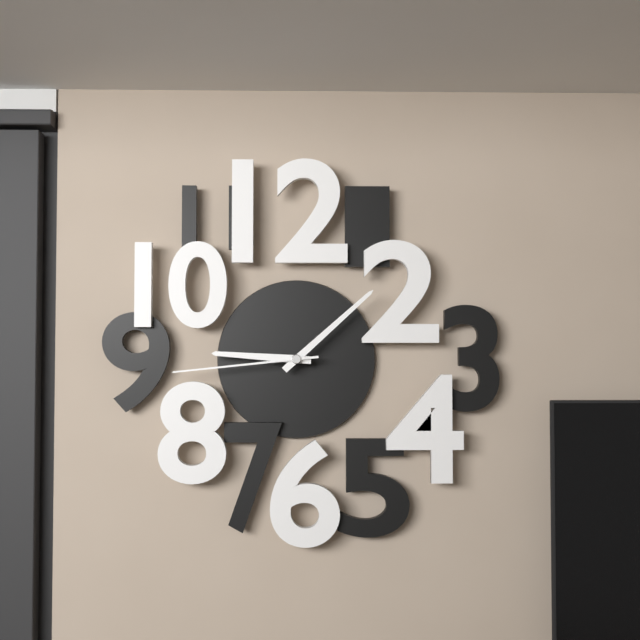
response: 9 h 08 min 44 s
